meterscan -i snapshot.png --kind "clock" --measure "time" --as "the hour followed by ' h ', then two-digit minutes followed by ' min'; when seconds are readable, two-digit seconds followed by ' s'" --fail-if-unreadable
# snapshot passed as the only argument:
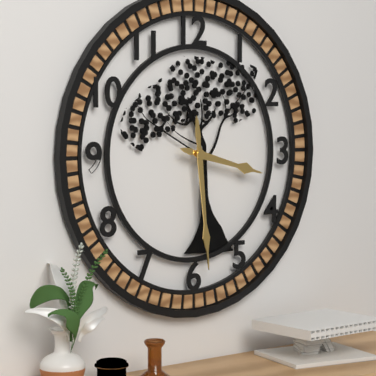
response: 3 h 29 min
